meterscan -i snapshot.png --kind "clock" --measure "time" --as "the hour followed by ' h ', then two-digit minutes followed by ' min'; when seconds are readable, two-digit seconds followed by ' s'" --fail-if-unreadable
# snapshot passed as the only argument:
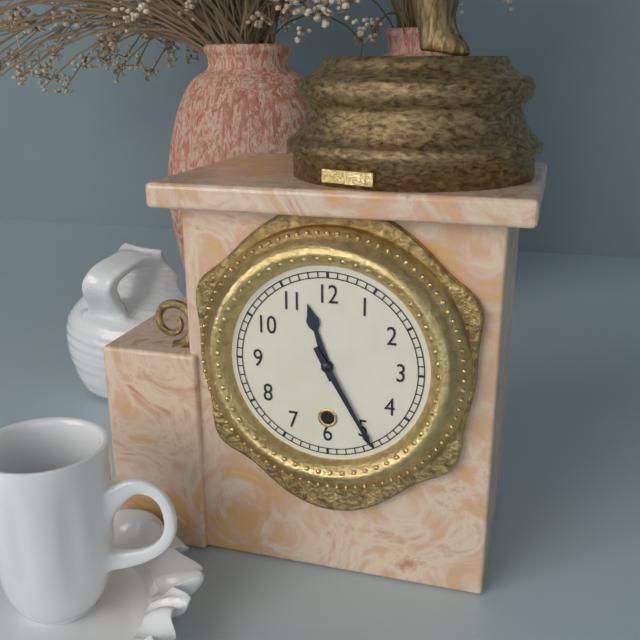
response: 11 h 25 min
